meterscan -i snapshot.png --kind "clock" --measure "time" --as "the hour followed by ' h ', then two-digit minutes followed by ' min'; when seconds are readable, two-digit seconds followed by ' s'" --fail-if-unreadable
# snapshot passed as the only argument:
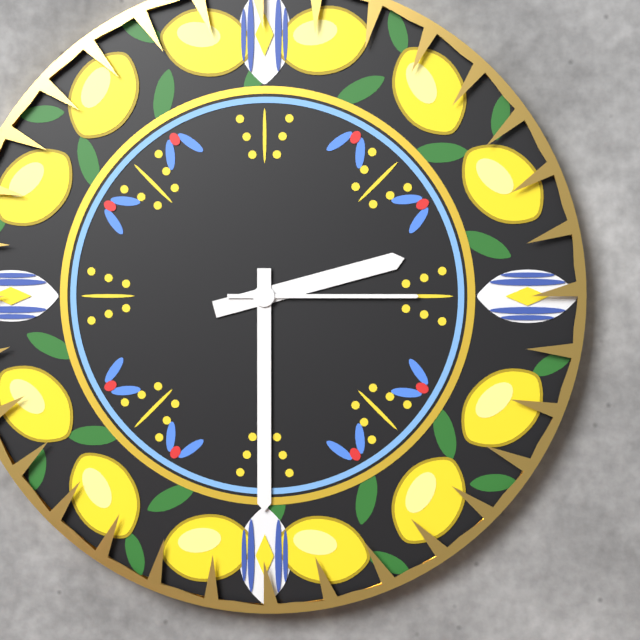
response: 2 h 30 min 15 s
